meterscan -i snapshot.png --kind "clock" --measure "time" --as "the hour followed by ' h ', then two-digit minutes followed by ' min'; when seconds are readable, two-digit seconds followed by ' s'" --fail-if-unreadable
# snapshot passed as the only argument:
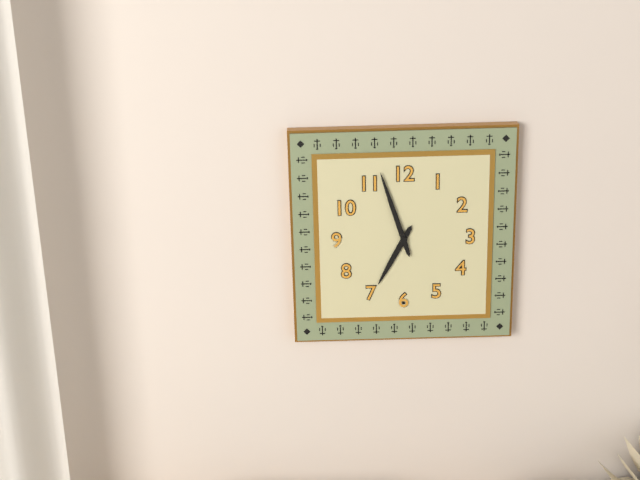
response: 6 h 57 min
